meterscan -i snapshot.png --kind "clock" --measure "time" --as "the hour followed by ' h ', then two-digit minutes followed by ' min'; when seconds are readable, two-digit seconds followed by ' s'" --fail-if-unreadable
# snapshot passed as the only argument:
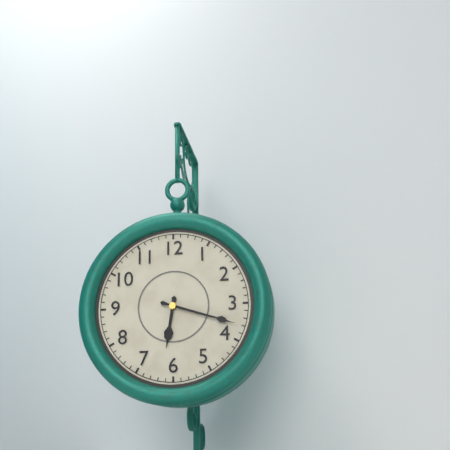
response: 6 h 18 min
